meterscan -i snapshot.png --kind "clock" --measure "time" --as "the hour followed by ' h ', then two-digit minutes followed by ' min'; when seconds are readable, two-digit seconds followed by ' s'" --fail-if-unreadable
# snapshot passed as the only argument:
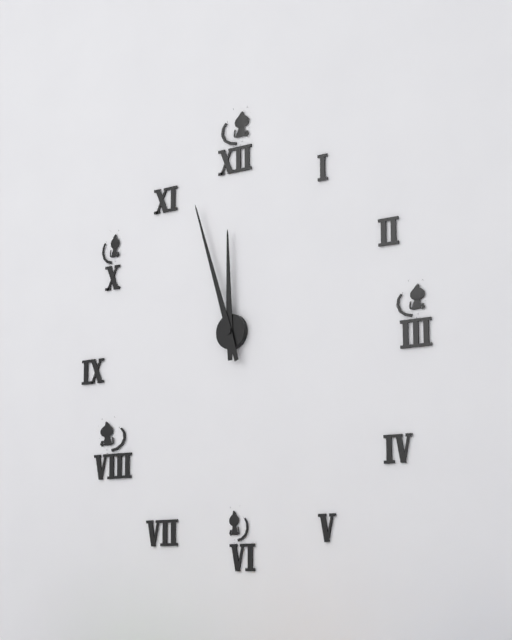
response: 11 h 57 min
